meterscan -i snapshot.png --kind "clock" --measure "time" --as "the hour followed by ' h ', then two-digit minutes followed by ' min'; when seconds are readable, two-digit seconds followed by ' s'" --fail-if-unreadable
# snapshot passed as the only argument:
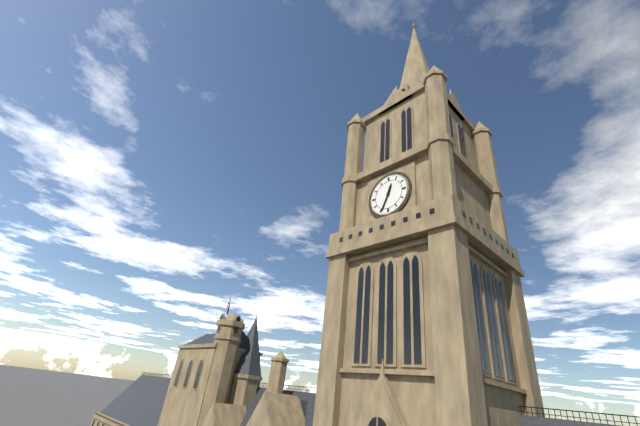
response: 12 h 34 min
